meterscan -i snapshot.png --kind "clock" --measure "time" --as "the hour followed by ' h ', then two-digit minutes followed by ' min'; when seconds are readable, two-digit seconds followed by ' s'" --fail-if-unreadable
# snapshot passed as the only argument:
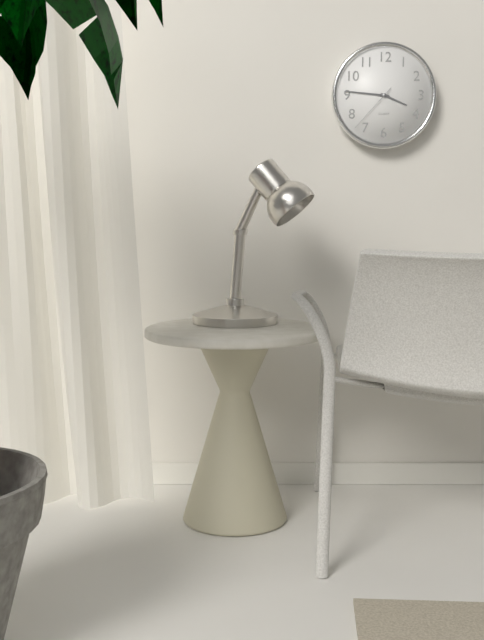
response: 3 h 46 min 37 s
